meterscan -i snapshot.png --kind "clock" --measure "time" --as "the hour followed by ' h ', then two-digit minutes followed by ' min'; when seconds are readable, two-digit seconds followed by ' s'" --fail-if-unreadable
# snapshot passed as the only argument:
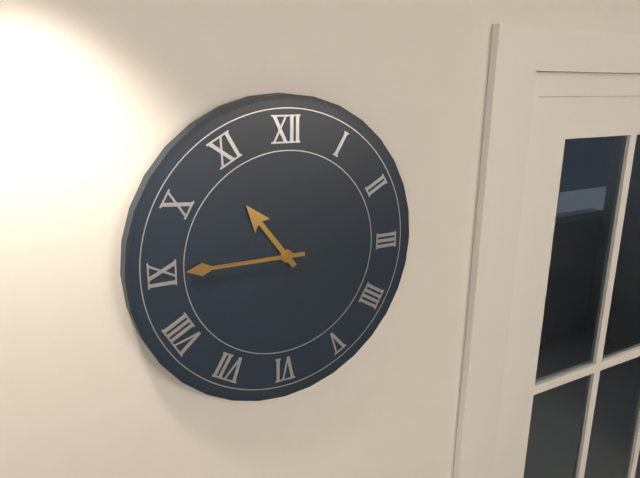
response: 10 h 45 min
